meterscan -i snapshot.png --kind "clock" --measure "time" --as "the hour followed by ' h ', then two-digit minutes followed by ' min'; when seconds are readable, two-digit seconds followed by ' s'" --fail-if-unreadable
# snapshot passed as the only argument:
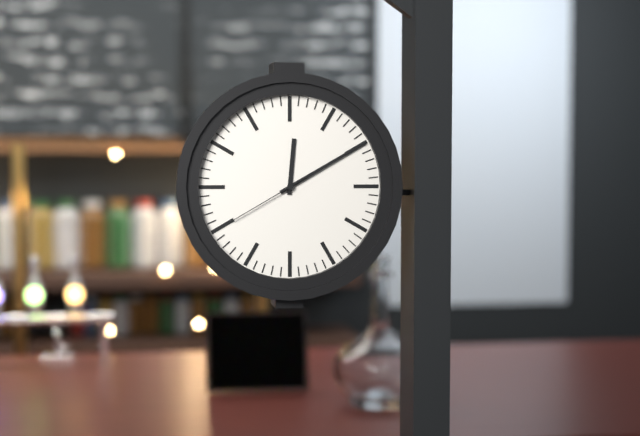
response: 12 h 10 min 40 s
